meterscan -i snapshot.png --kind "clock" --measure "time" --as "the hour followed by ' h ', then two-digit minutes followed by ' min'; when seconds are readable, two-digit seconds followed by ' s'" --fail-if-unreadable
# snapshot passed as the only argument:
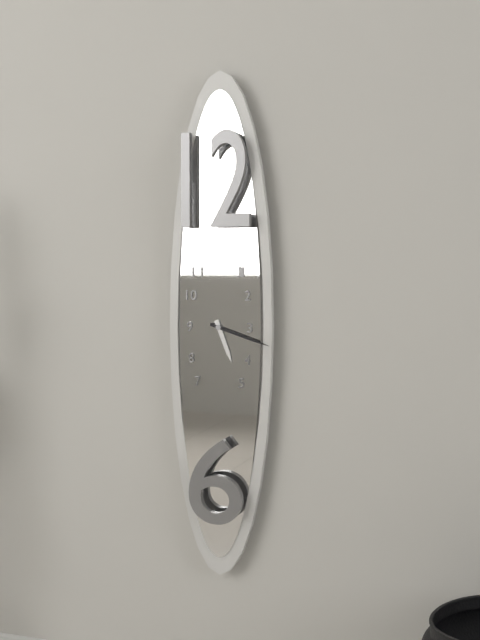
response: 5 h 18 min
